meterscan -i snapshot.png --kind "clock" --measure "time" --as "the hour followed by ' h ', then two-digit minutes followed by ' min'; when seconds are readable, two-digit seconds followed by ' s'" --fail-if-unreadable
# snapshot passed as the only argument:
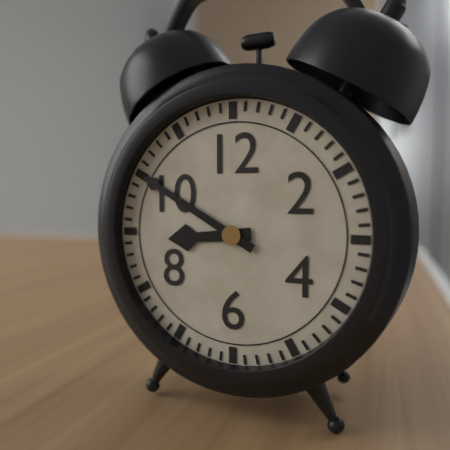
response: 8 h 50 min
